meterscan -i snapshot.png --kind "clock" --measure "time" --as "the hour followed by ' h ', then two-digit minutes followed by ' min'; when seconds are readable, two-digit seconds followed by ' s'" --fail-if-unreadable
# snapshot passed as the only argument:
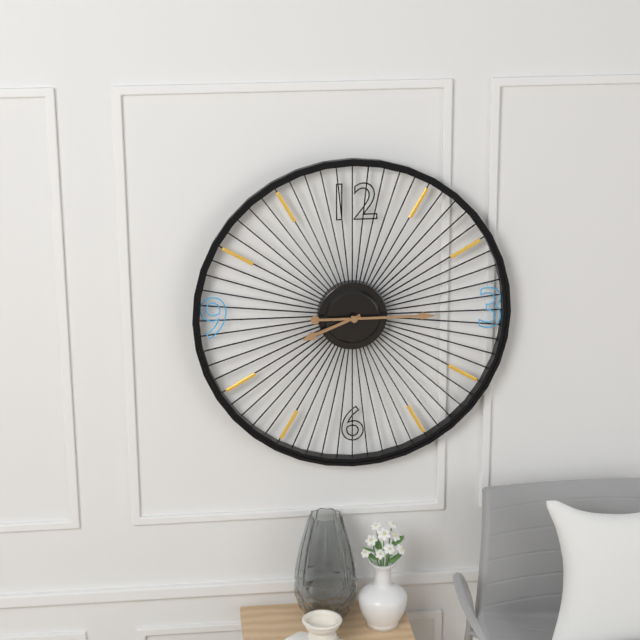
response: 8 h 15 min
